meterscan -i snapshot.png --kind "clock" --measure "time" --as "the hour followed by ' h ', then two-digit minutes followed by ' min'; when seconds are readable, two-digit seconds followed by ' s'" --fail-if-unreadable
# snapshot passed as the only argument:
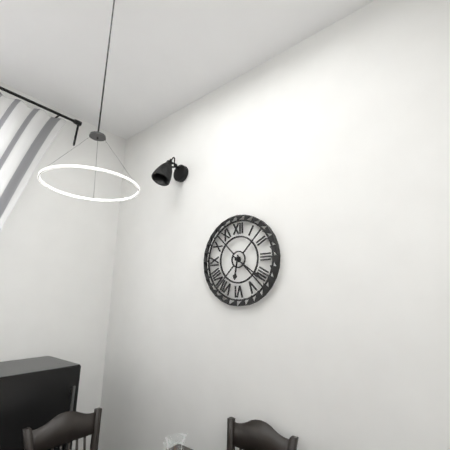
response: 6 h 21 min
